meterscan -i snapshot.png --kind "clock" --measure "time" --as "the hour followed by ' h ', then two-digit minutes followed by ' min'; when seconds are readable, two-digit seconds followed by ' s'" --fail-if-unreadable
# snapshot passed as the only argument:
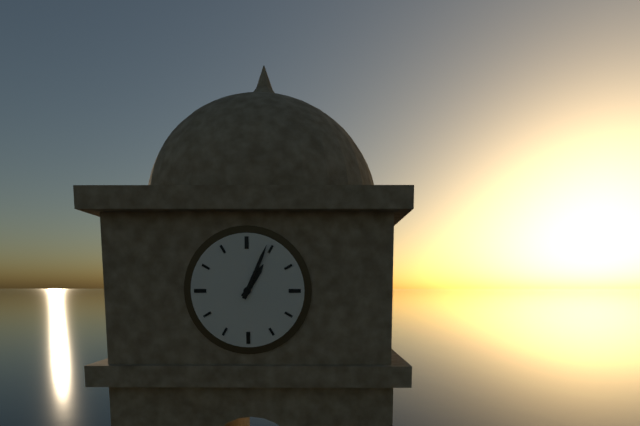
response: 1 h 04 min
